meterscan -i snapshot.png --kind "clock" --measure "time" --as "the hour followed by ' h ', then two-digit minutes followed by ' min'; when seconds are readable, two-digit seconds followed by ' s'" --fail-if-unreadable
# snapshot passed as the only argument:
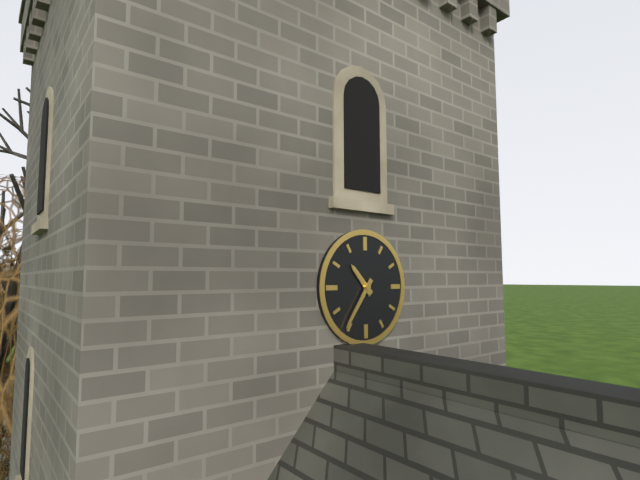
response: 10 h 36 min
